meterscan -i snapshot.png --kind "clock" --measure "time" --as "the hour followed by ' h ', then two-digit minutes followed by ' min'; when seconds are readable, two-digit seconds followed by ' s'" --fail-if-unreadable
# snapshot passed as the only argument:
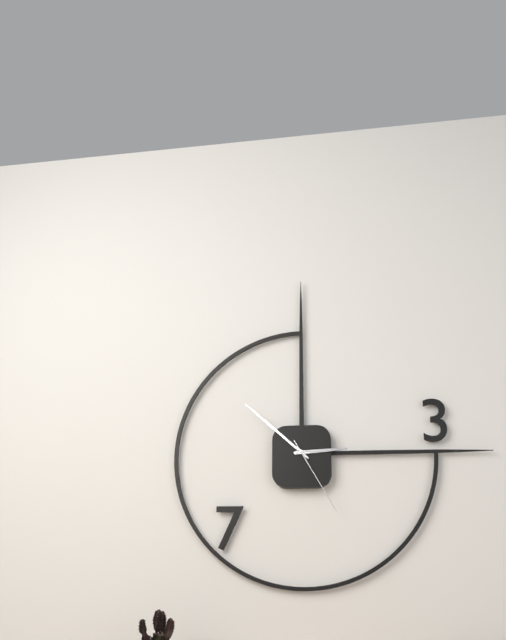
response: 2 h 52 min 25 s
